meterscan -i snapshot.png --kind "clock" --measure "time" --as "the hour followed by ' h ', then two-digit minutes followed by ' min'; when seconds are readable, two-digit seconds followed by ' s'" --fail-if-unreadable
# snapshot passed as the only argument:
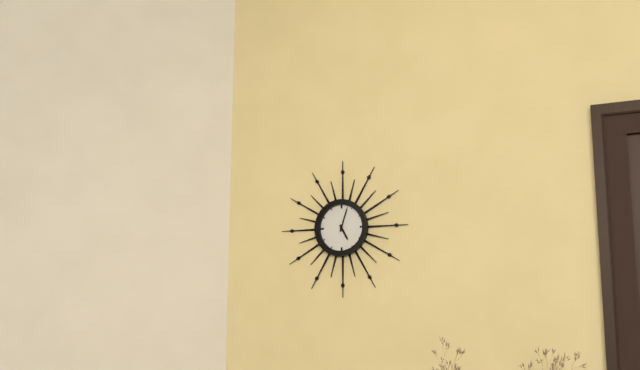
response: 5 h 03 min
